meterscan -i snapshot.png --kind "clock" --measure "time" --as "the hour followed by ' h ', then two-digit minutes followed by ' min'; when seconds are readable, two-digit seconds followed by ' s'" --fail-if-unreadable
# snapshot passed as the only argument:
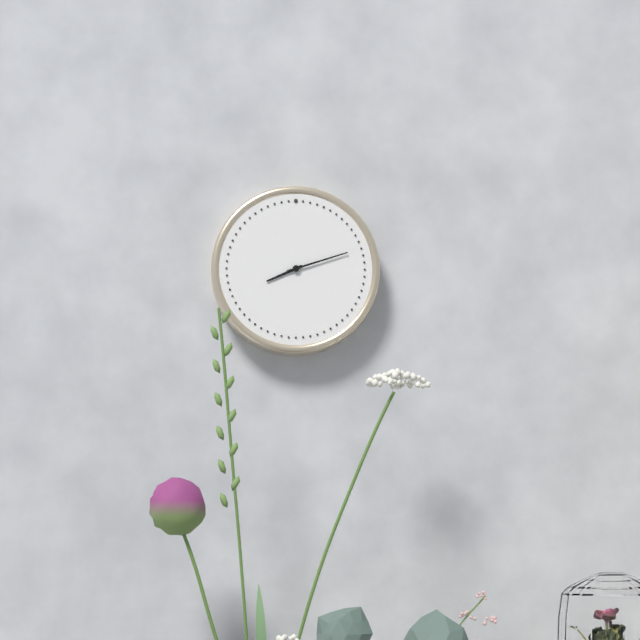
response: 8 h 12 min
